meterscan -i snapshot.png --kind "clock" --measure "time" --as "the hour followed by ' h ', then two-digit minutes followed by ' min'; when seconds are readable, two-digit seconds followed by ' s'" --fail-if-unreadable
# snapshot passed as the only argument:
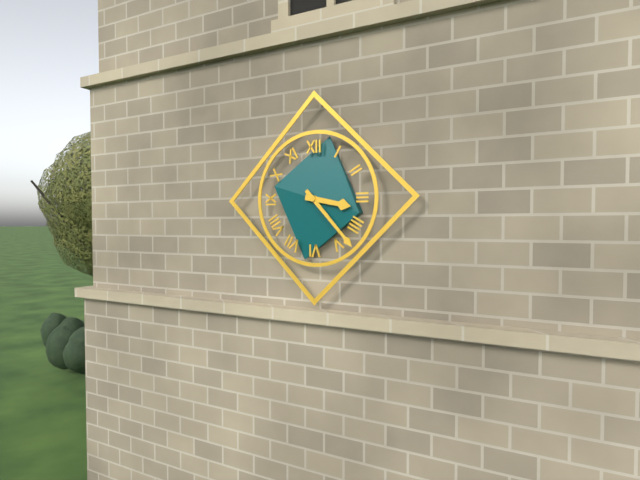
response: 3 h 23 min
